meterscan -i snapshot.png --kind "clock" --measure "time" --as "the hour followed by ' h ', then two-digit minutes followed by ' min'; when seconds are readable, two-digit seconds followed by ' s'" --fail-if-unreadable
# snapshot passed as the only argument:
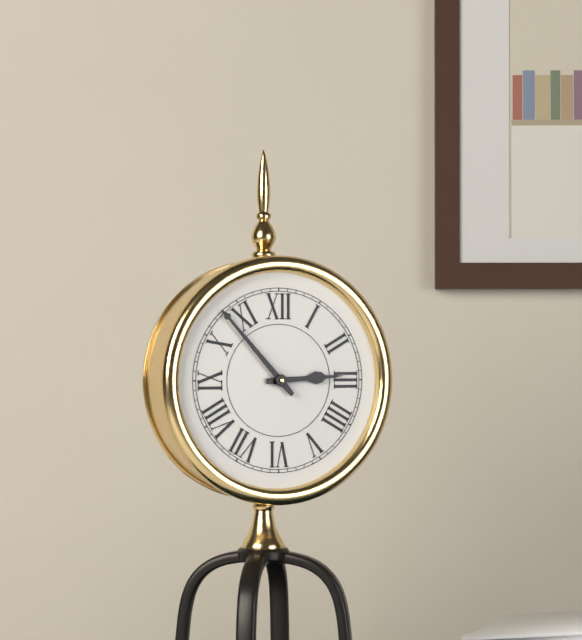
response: 2 h 53 min
